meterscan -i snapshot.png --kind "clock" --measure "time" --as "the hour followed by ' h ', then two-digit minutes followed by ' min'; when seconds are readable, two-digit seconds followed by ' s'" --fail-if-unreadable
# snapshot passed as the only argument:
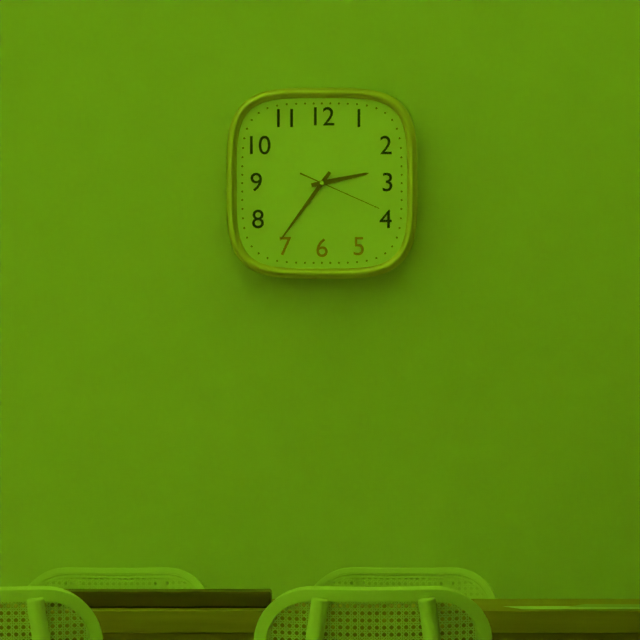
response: 2 h 36 min 19 s
